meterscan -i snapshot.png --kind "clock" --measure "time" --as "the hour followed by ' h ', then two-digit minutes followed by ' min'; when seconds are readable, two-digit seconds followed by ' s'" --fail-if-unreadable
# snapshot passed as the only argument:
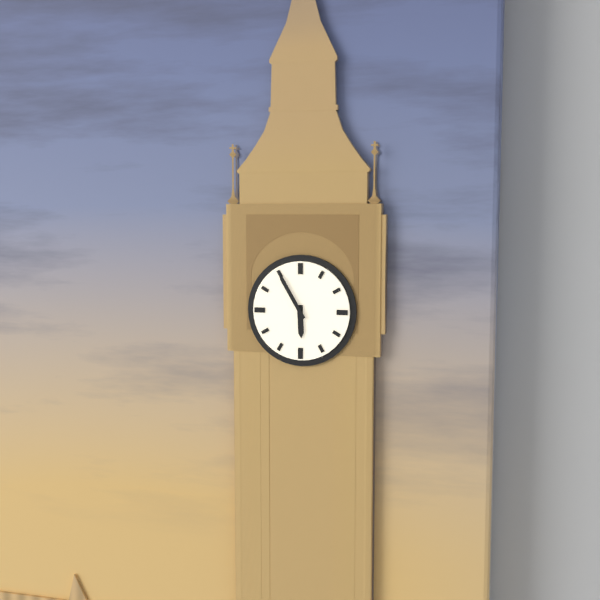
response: 5 h 55 min
